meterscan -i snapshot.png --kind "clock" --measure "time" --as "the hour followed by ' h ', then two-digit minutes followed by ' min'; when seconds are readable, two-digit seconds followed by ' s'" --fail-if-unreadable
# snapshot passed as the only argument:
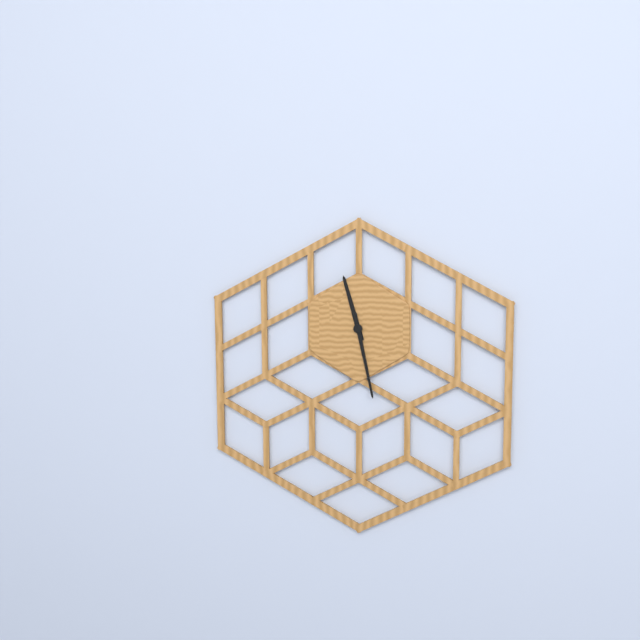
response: 11 h 28 min
